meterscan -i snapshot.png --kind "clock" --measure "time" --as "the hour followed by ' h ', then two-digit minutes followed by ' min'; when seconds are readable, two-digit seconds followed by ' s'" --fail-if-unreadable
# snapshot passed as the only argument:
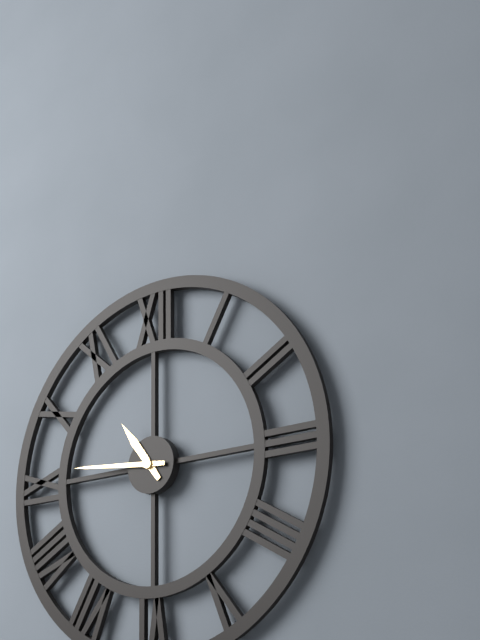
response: 10 h 46 min
